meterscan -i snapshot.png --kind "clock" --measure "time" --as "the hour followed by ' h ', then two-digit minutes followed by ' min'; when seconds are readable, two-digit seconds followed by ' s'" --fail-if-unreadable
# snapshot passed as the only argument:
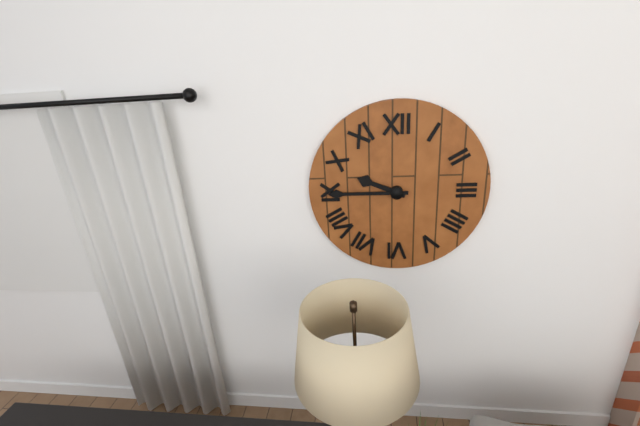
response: 9 h 45 min
